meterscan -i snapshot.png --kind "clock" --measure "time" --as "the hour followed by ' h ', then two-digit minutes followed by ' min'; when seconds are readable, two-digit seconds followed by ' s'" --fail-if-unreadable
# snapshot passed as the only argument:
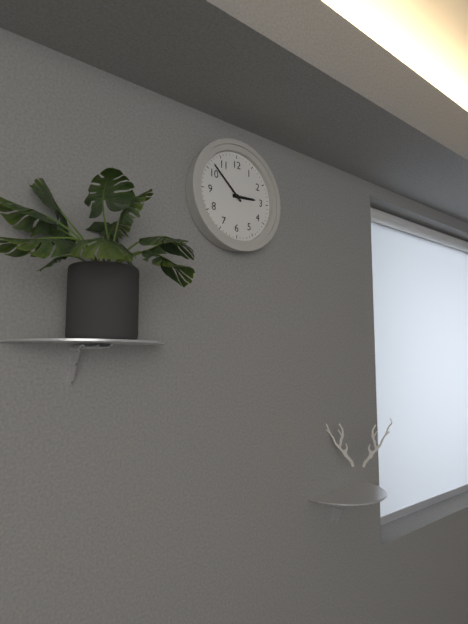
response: 2 h 52 min
